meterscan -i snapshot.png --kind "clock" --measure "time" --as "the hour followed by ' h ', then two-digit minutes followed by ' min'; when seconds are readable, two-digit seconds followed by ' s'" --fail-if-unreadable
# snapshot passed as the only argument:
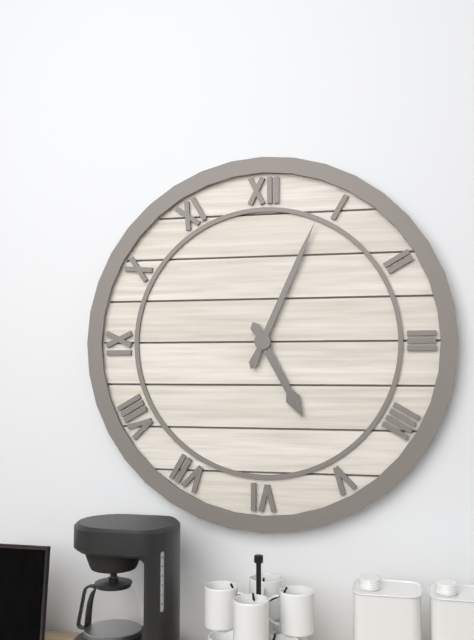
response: 5 h 04 min
